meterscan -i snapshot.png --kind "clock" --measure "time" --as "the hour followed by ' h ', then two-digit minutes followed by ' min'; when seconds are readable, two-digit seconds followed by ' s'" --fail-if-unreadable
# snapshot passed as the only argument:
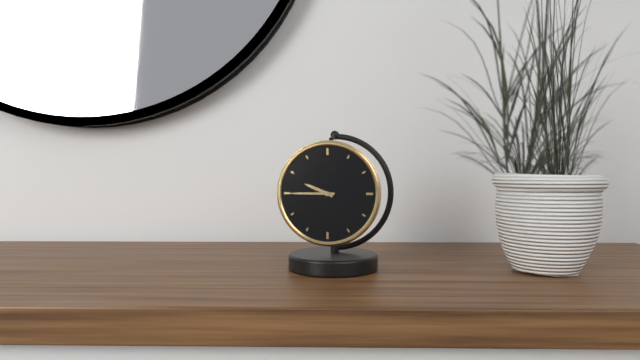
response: 9 h 45 min
